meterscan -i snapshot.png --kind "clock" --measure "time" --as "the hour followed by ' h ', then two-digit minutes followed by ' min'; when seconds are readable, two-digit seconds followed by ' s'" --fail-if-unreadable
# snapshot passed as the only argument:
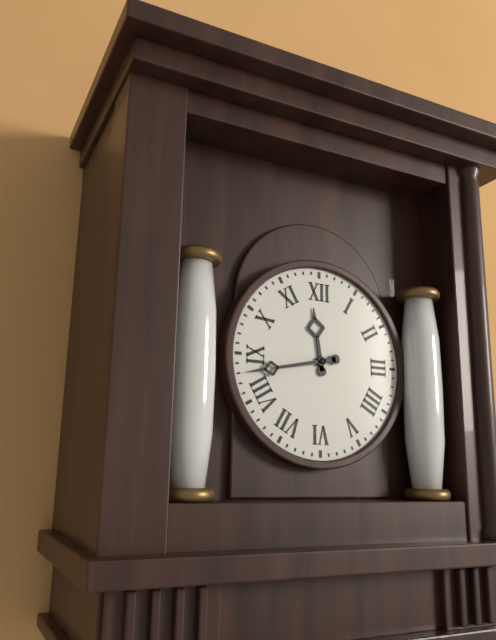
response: 11 h 43 min
